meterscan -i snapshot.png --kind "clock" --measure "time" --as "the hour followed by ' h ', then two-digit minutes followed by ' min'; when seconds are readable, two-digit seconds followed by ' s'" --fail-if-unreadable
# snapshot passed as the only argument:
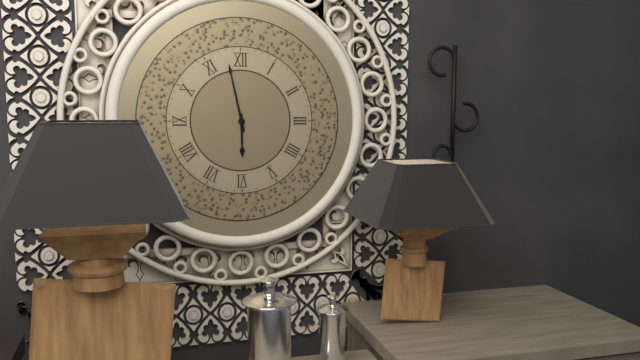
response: 5 h 58 min
